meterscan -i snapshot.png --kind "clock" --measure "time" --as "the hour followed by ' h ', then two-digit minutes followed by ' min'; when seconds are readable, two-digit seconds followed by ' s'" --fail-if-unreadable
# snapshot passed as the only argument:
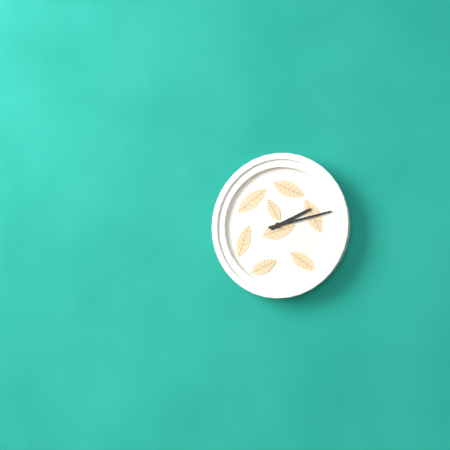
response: 2 h 13 min
